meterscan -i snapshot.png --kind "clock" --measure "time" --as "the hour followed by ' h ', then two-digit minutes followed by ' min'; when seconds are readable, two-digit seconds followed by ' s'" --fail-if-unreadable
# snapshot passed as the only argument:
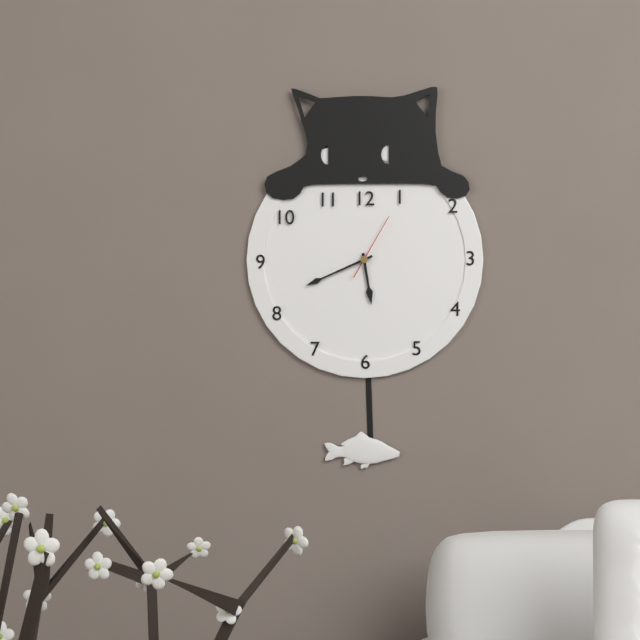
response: 5 h 41 min 05 s
